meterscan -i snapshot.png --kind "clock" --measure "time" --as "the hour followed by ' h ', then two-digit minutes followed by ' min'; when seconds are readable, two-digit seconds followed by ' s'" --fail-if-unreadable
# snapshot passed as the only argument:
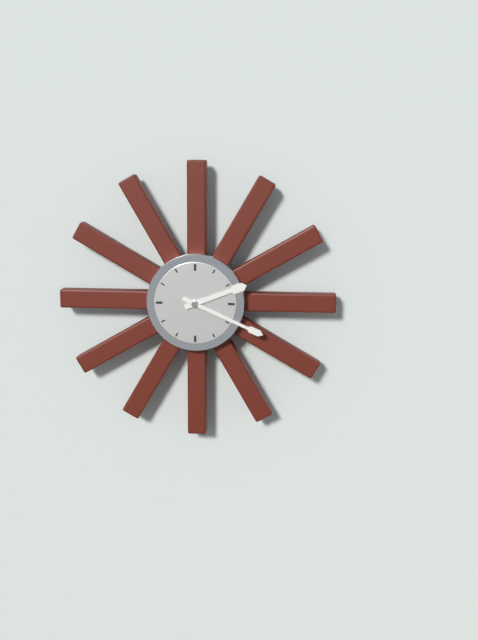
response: 2 h 19 min
